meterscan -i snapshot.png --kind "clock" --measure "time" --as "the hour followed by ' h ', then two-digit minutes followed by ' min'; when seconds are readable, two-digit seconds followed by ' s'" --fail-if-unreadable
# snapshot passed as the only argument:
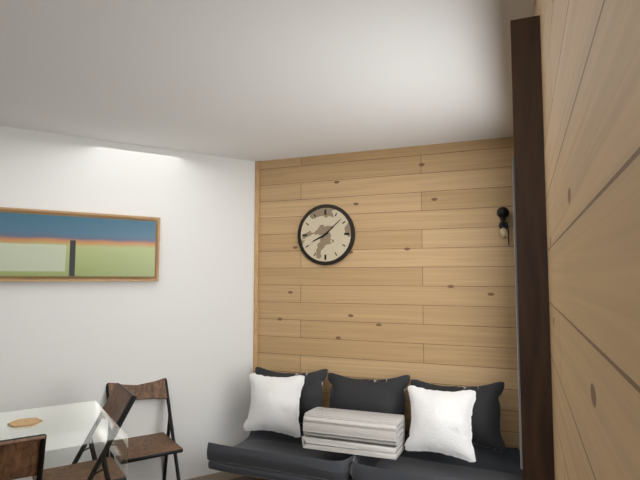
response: 8 h 08 min
